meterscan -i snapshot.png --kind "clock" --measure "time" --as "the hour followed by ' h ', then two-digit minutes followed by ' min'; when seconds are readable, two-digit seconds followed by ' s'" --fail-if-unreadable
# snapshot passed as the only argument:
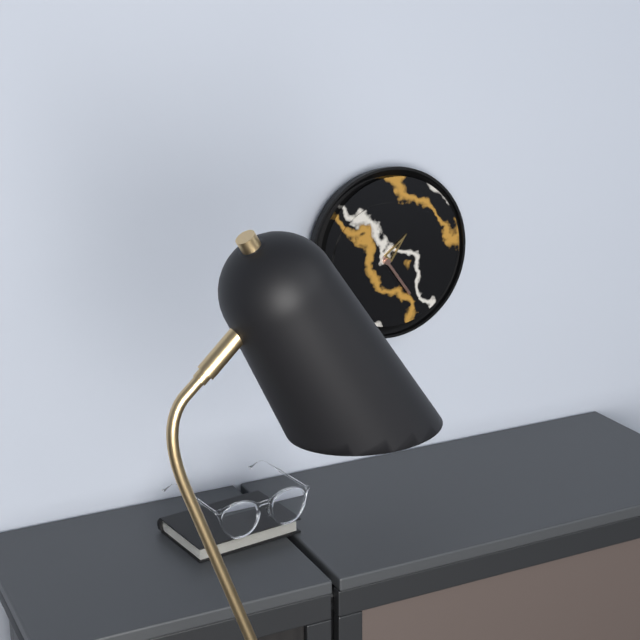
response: 1 h 24 min
